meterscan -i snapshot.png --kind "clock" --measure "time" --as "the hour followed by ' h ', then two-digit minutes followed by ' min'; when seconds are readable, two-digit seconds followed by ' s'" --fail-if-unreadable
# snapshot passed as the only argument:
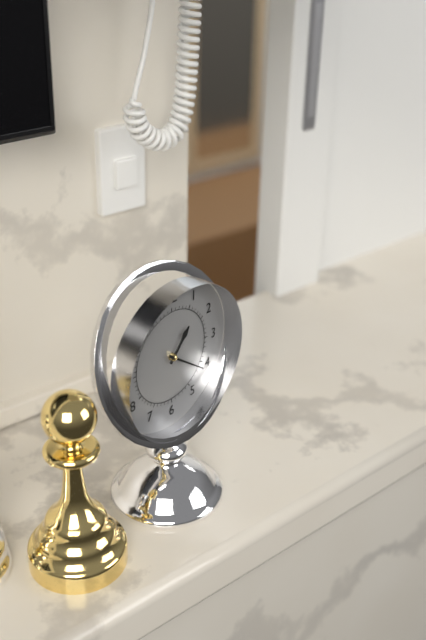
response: 1 h 21 min
